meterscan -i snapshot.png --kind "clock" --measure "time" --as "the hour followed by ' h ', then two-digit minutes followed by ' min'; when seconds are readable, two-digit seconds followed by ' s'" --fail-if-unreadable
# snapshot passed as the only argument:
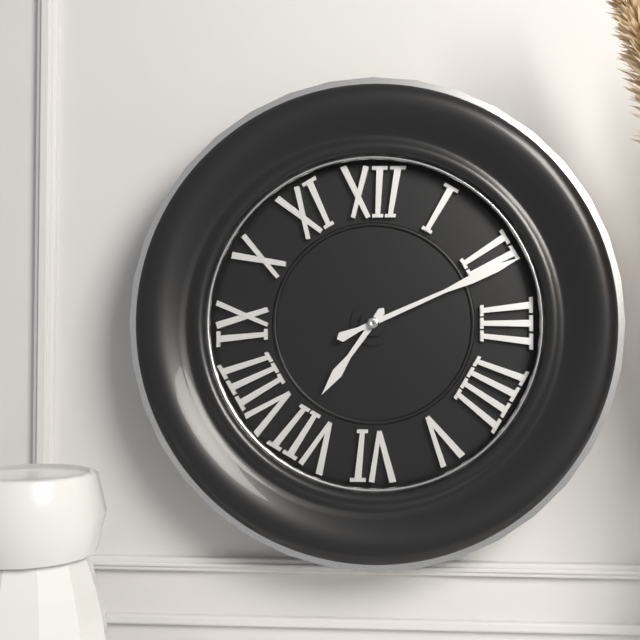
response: 7 h 11 min
